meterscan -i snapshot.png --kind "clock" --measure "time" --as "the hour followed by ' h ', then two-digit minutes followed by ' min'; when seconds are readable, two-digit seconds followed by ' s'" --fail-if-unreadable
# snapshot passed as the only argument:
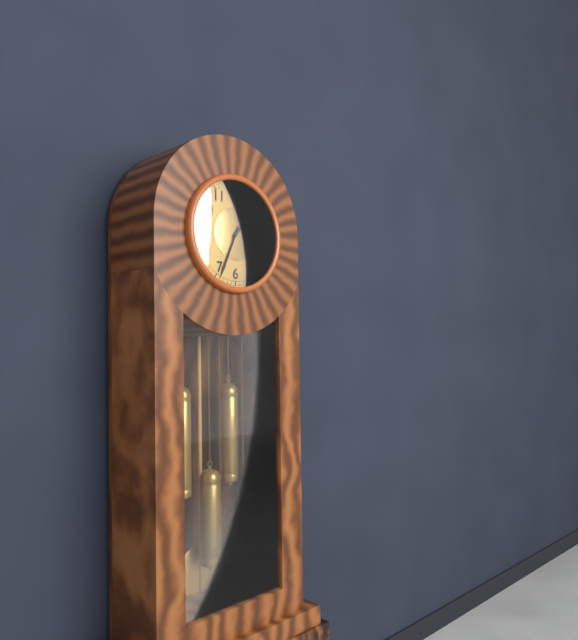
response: 1 h 34 min
